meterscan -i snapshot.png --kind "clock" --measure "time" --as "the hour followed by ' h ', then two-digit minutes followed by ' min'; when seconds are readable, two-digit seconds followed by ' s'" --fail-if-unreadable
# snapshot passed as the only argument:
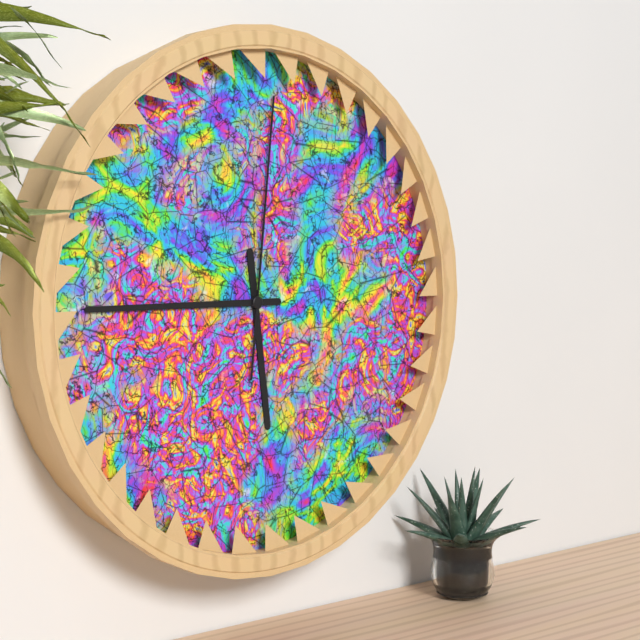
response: 5 h 45 min 01 s
